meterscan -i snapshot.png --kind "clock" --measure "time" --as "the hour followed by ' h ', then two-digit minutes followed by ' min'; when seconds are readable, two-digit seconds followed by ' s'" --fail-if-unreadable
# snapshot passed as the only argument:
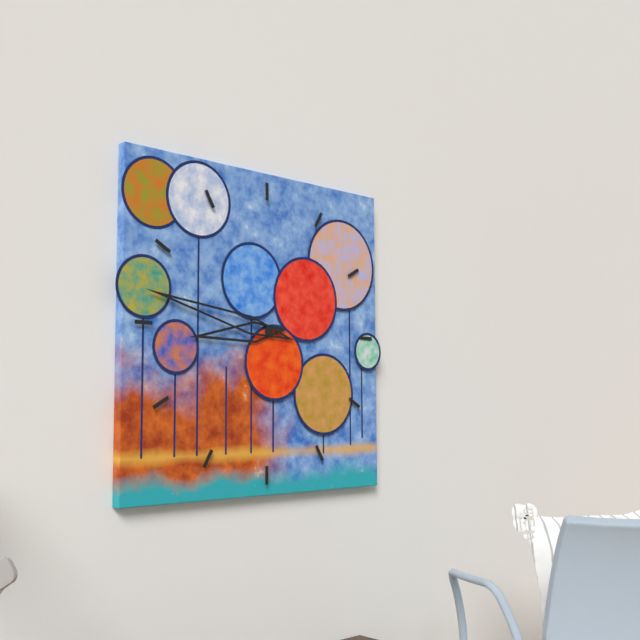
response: 8 h 47 min
